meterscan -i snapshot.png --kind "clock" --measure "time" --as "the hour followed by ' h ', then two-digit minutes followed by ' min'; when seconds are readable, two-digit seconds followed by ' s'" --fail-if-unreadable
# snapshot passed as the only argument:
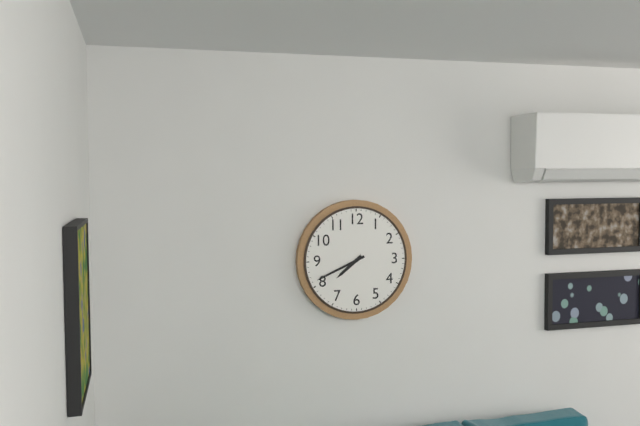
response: 7 h 41 min
